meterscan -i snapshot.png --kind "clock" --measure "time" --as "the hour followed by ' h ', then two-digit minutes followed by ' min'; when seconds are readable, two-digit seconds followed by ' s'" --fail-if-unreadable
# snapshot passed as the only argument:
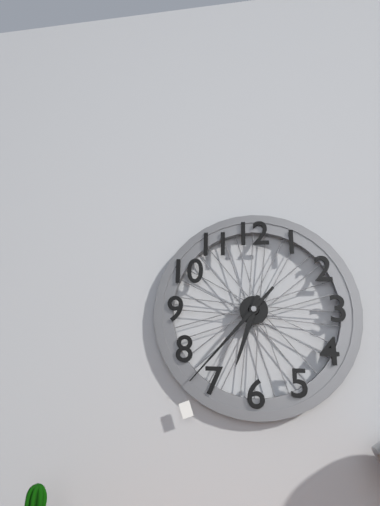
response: 6 h 37 min
